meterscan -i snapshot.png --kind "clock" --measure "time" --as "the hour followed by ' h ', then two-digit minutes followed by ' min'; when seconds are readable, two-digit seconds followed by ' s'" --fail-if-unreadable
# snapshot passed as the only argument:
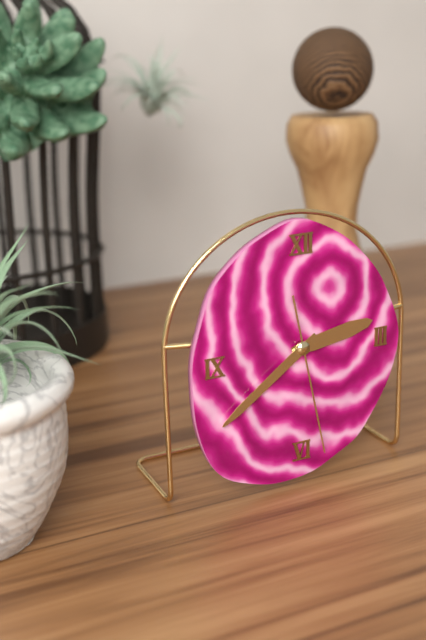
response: 2 h 39 min 28 s
